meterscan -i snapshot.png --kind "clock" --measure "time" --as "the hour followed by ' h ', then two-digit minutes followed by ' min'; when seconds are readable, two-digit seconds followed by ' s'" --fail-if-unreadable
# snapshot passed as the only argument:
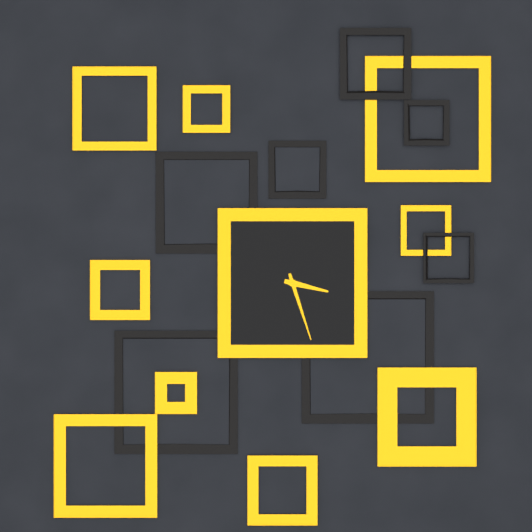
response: 3 h 27 min
